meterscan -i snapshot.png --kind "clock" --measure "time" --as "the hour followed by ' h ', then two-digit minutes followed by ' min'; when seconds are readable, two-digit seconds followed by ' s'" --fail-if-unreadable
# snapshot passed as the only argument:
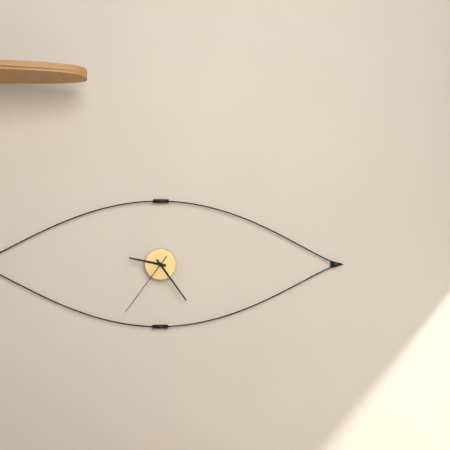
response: 9 h 24 min 36 s
